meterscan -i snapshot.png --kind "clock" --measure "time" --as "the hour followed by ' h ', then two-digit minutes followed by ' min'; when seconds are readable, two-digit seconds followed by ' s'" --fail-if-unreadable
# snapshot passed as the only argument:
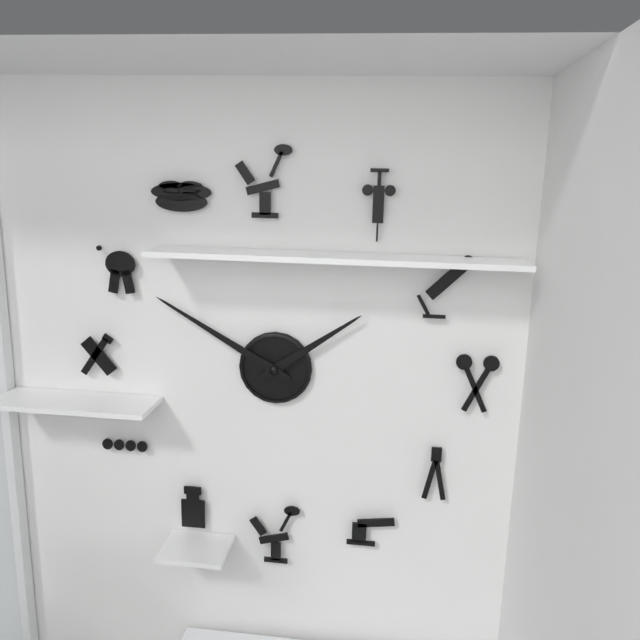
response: 1 h 50 min
